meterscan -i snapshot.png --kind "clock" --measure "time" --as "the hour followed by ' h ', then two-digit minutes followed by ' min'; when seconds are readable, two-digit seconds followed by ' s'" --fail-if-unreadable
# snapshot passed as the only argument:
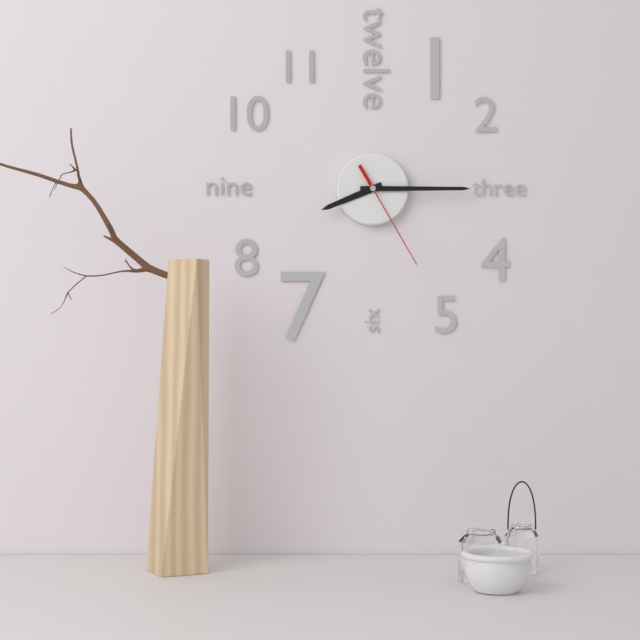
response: 8 h 15 min 25 s
